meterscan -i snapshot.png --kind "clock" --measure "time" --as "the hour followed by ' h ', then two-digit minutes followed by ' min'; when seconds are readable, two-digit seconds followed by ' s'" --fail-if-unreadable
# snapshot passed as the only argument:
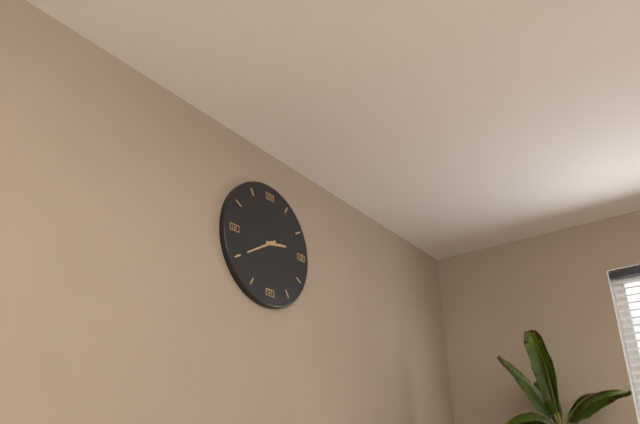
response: 2 h 40 min
